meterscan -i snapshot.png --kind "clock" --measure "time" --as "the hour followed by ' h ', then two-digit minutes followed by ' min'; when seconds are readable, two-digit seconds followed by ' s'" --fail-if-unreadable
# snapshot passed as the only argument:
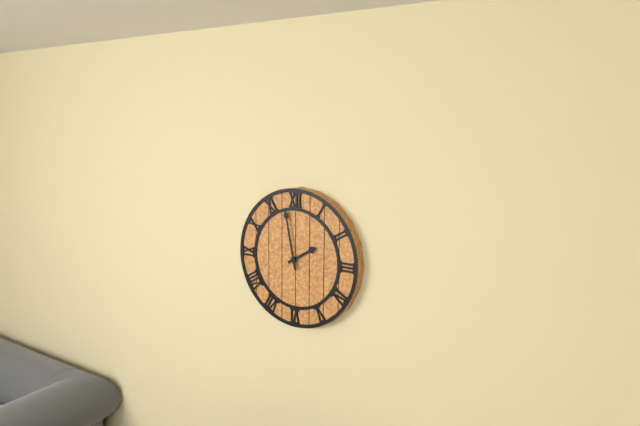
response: 1 h 58 min
